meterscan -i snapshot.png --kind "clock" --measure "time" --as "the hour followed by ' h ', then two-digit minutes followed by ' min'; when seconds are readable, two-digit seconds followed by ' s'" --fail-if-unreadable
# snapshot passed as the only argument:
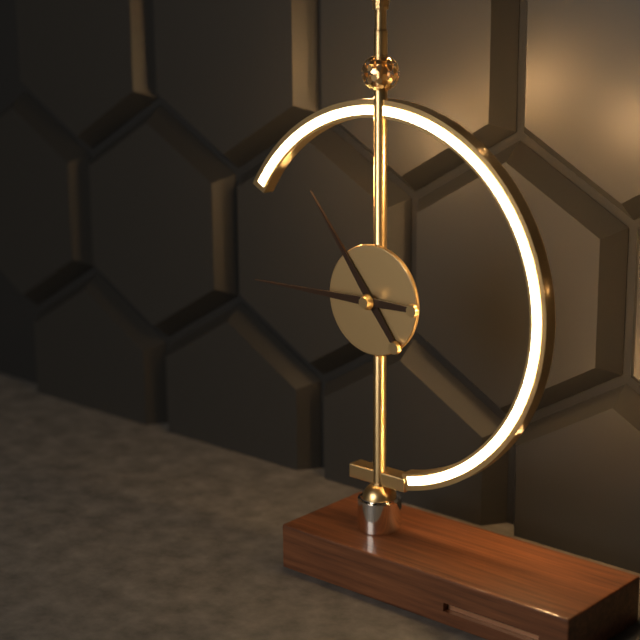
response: 10 h 45 min
